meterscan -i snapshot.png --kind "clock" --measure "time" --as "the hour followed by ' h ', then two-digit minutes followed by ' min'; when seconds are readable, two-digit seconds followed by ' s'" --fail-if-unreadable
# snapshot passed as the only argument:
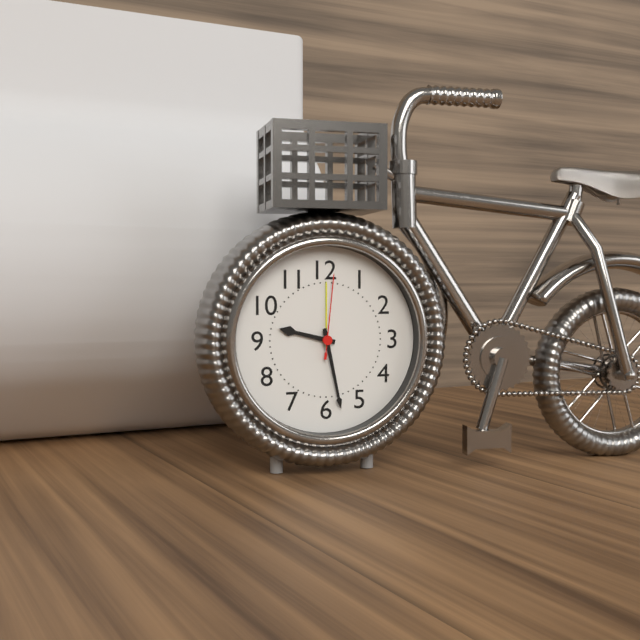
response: 9 h 28 min 01 s
